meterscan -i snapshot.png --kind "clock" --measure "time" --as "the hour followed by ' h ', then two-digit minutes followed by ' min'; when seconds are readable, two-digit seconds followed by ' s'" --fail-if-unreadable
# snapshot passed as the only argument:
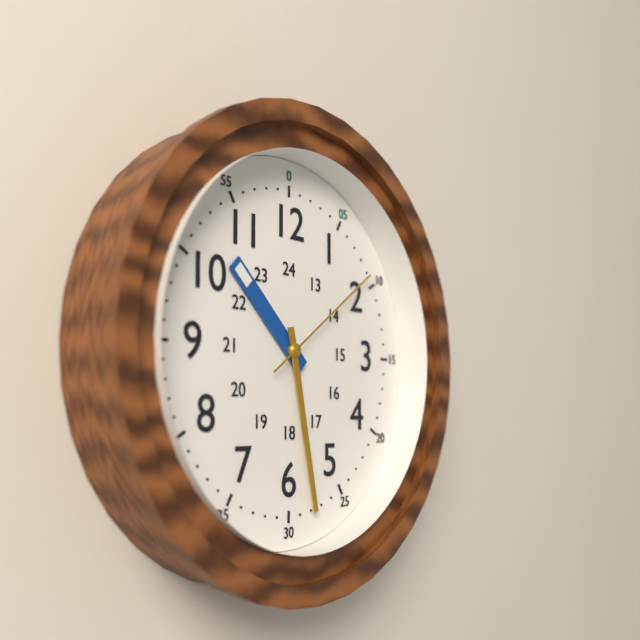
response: 10 h 28 min 09 s
